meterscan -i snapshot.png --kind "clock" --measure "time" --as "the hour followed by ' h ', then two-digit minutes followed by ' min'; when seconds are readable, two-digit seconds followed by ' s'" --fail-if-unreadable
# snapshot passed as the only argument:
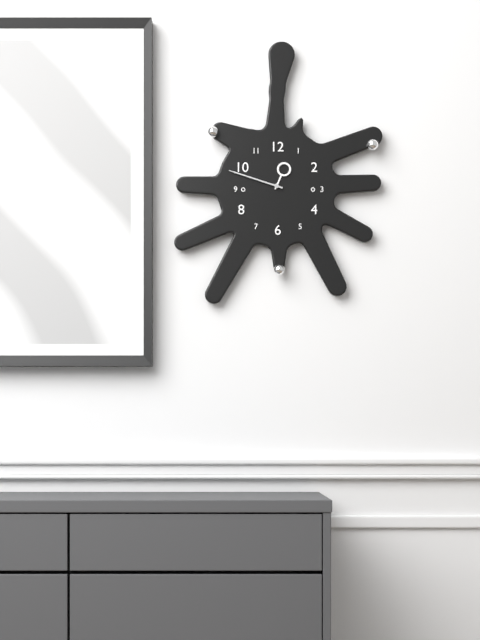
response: 12 h 48 min
